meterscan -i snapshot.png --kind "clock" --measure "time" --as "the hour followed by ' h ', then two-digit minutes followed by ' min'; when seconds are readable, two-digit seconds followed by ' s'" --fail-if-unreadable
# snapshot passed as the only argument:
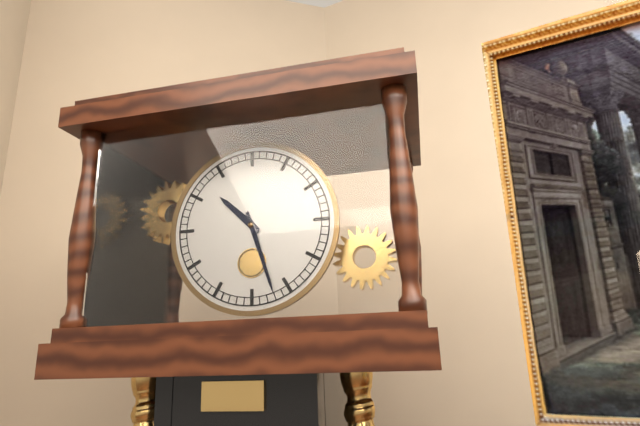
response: 10 h 27 min
